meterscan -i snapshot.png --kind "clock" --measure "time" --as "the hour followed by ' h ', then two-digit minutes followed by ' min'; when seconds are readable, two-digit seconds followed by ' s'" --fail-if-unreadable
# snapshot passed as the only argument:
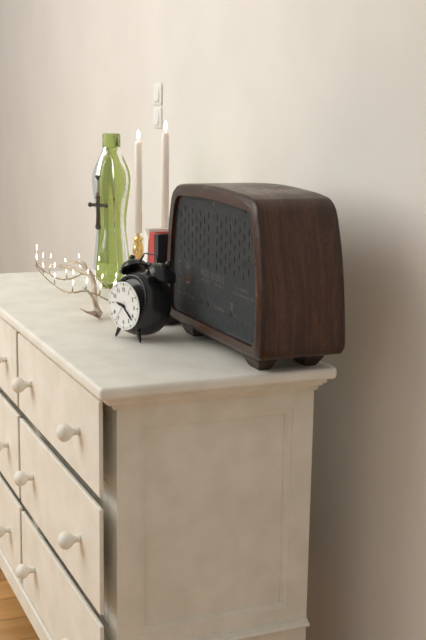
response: 9 h 22 min
